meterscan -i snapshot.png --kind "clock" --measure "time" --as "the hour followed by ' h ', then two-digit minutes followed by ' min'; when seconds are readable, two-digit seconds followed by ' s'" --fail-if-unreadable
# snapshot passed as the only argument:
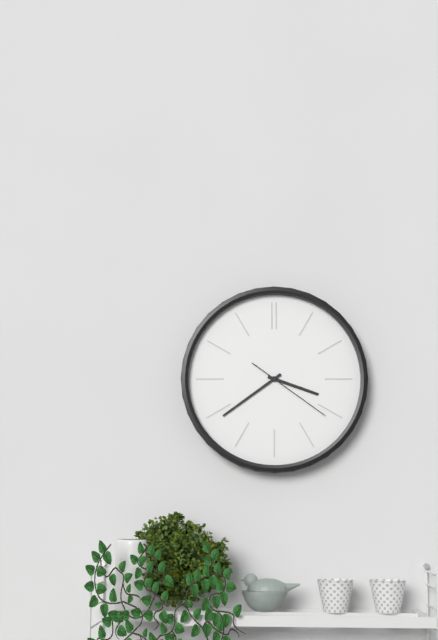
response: 3 h 39 min 21 s
